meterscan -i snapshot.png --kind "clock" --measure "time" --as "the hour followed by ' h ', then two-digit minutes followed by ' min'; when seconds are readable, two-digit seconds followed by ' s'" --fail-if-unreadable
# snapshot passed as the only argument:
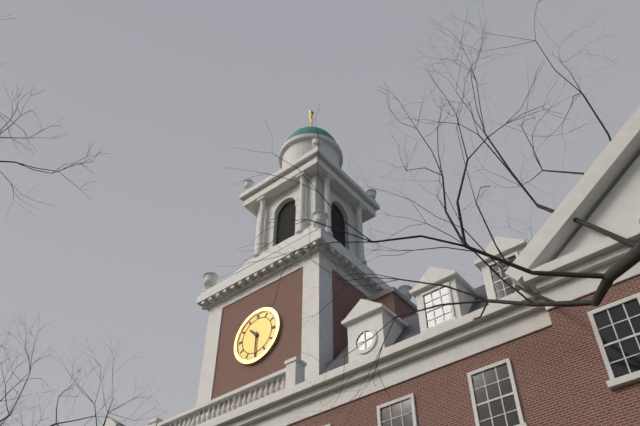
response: 10 h 30 min
